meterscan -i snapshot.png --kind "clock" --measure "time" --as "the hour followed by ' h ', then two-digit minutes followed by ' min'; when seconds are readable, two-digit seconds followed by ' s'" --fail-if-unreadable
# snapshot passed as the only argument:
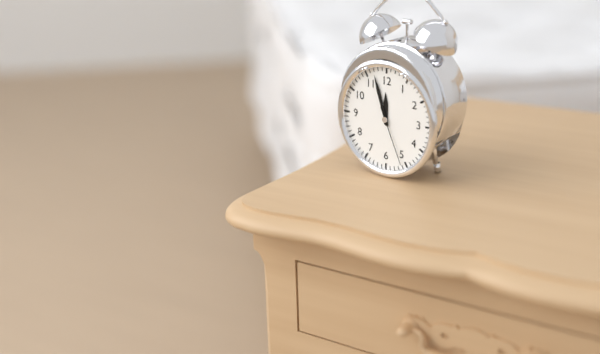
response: 11 h 57 min 26 s
